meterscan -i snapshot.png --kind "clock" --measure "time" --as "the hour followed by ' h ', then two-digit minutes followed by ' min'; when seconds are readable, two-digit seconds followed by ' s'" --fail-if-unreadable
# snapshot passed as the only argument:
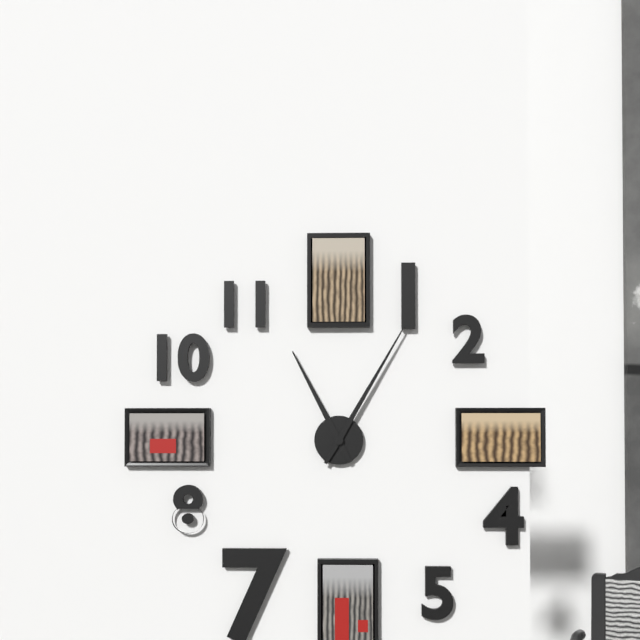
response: 11 h 05 min
